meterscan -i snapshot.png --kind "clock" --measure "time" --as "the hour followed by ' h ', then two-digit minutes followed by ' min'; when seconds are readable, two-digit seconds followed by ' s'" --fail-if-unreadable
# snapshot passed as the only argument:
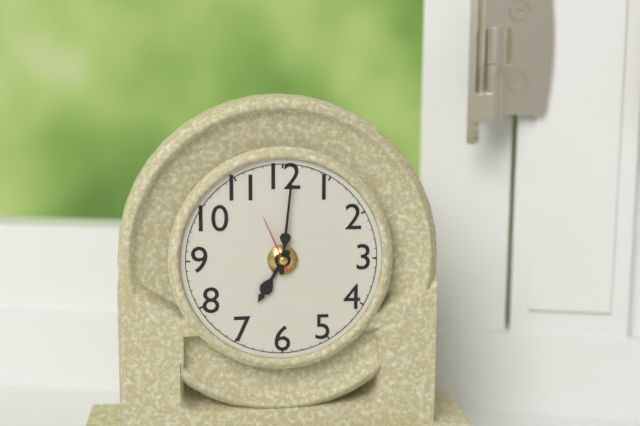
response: 7 h 01 min 56 s
